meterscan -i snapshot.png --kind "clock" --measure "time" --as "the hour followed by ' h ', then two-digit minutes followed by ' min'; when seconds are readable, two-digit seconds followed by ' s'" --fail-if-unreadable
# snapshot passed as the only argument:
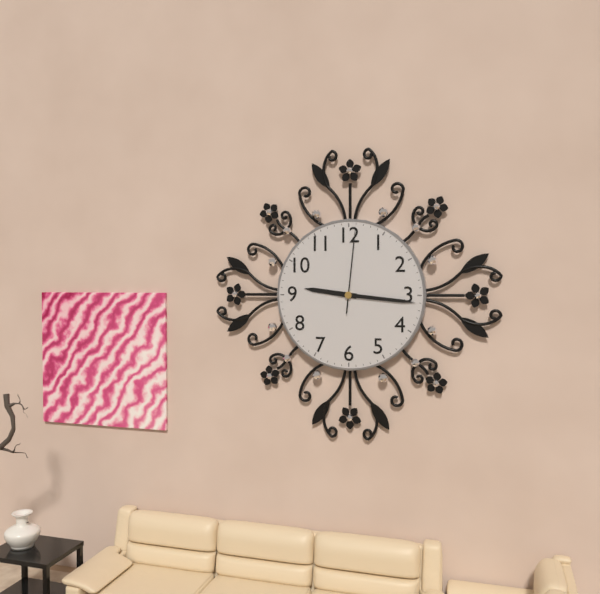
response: 9 h 16 min 01 s
